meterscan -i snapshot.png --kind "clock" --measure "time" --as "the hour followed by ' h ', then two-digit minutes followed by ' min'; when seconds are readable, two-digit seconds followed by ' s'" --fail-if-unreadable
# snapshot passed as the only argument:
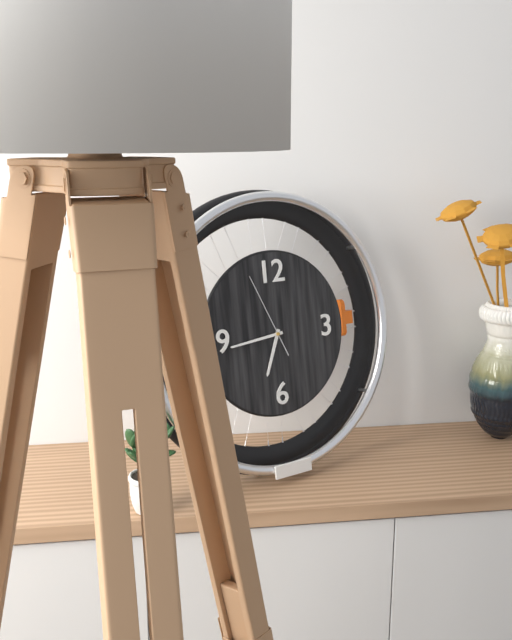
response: 6 h 44 min 56 s
